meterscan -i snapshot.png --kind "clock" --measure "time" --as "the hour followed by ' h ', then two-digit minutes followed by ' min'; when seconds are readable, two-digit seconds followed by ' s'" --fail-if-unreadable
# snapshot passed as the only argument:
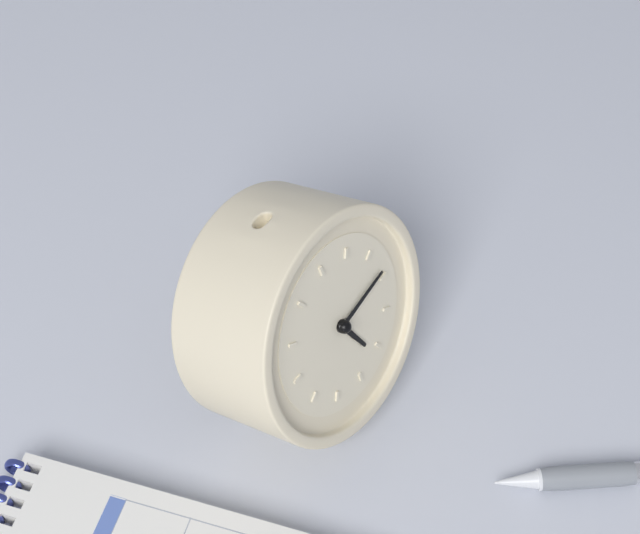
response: 5 h 14 min
